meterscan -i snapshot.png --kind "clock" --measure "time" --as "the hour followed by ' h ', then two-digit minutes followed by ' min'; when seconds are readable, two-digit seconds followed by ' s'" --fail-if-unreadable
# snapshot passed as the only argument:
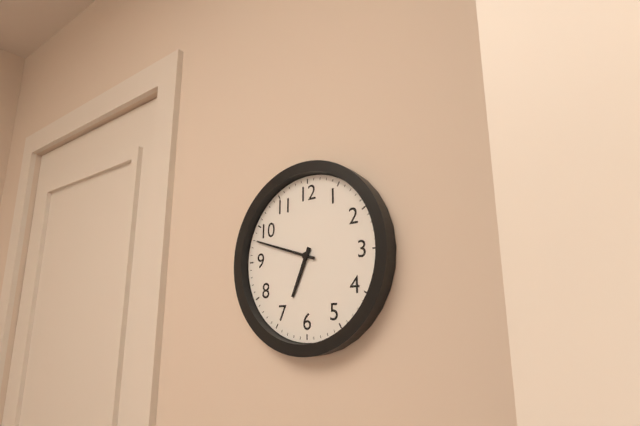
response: 6 h 48 min
